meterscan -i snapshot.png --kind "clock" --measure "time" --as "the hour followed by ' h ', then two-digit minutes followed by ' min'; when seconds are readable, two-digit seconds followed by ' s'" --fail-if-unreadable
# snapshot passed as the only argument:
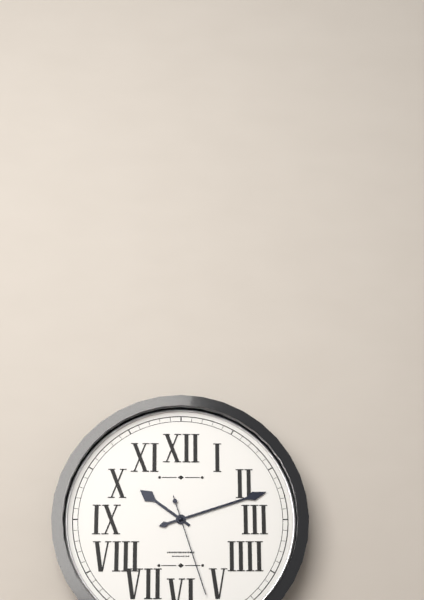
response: 10 h 12 min 27 s
